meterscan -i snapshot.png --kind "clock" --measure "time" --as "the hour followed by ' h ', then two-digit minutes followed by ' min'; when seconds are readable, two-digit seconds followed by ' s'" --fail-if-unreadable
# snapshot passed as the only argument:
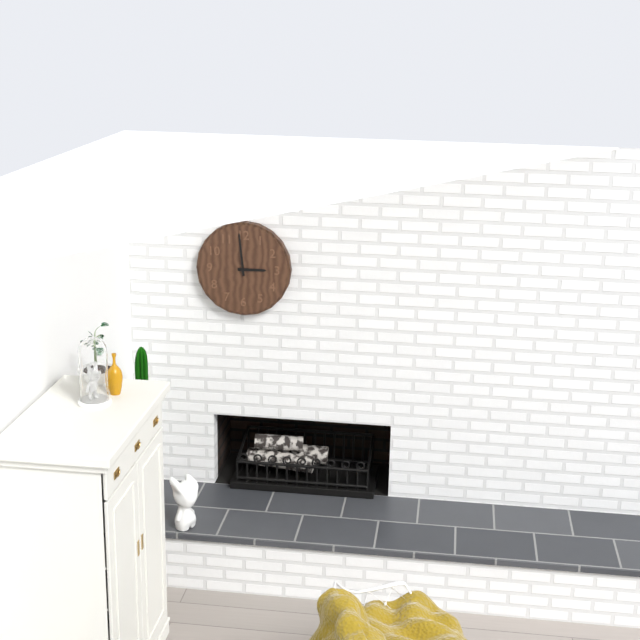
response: 2 h 59 min
